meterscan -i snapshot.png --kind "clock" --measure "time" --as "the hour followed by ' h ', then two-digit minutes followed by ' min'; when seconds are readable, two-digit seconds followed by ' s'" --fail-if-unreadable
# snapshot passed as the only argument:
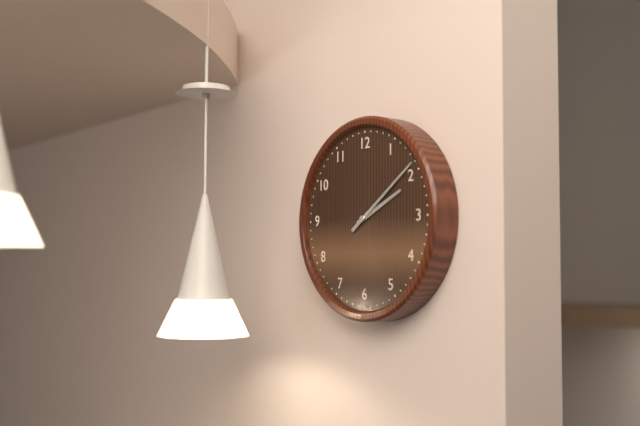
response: 2 h 09 min
